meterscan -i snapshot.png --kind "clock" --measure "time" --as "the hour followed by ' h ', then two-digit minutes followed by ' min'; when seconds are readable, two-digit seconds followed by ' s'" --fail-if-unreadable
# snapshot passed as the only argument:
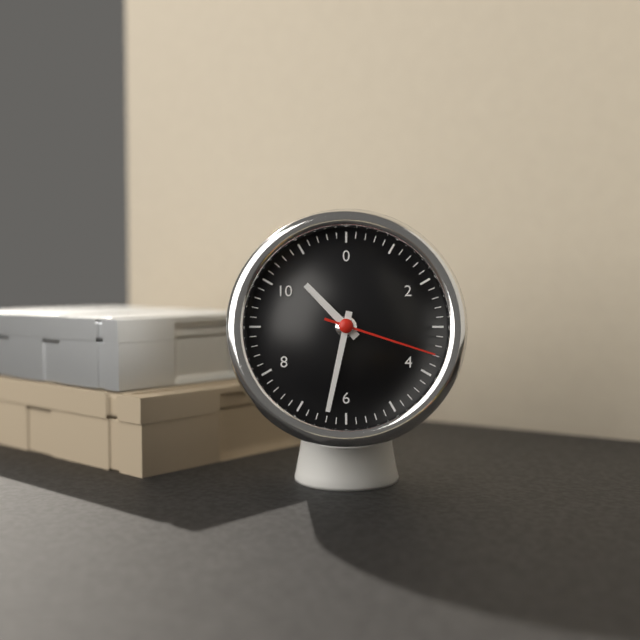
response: 10 h 32 min 18 s
